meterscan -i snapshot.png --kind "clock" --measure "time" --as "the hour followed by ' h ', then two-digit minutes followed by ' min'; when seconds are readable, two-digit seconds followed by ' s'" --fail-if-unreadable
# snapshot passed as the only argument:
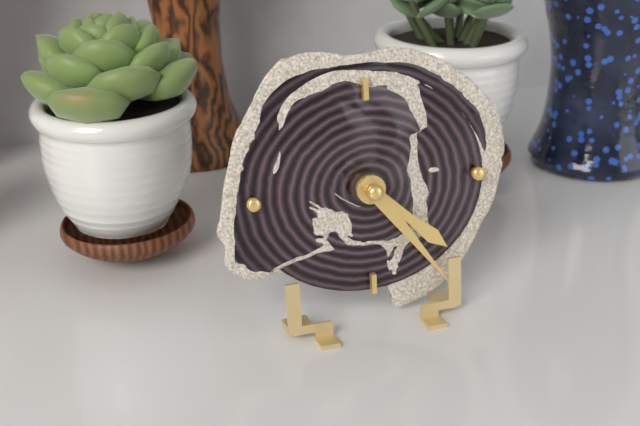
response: 4 h 24 min
